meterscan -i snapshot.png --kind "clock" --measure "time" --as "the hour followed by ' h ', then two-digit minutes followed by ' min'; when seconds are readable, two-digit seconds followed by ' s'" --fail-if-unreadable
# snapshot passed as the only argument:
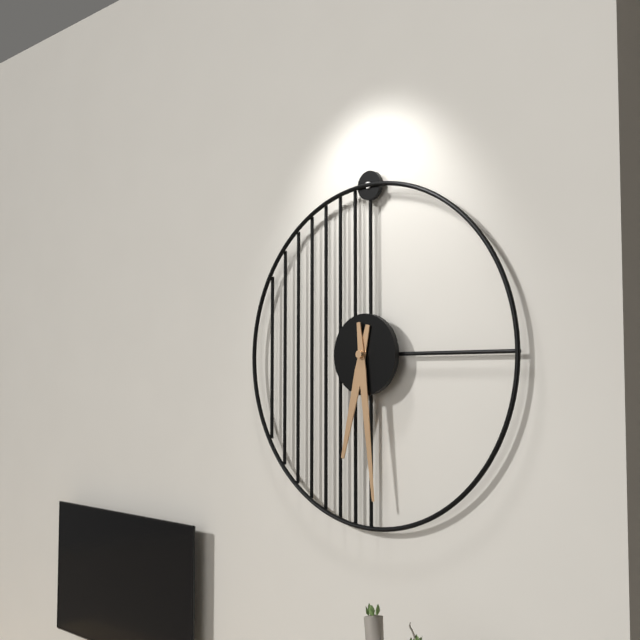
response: 6 h 29 min
